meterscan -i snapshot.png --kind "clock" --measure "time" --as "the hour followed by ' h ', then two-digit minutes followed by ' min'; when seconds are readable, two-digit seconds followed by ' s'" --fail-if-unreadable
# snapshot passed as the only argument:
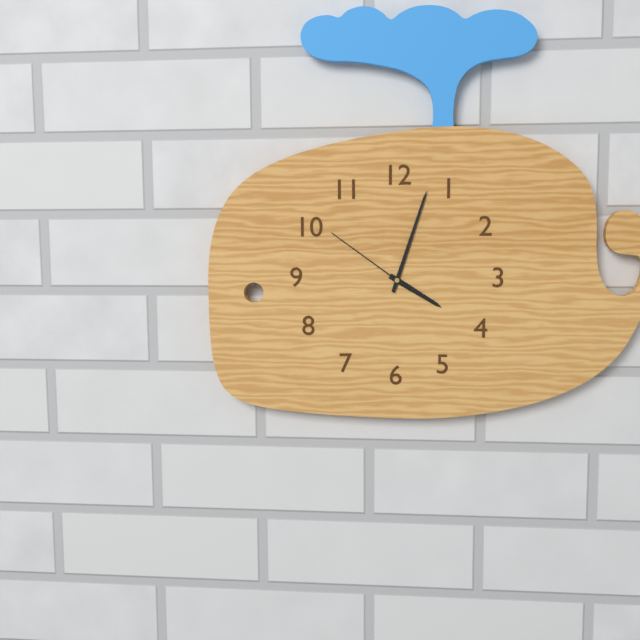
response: 4 h 03 min 51 s
